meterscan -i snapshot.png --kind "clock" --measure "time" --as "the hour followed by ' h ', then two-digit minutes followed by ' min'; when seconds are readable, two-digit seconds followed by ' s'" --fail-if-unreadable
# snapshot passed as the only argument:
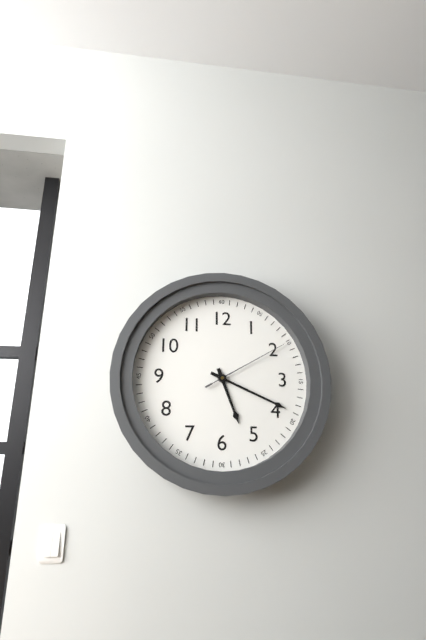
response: 5 h 19 min 10 s
